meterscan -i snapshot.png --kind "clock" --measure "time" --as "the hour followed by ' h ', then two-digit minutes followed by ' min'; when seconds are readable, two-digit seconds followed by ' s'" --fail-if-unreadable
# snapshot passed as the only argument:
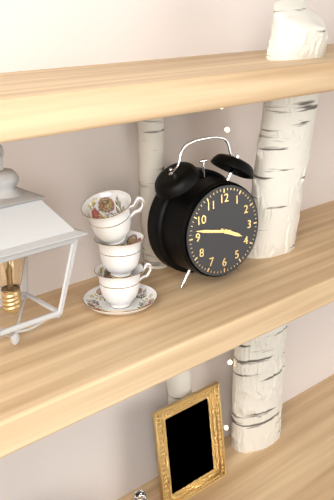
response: 3 h 47 min
